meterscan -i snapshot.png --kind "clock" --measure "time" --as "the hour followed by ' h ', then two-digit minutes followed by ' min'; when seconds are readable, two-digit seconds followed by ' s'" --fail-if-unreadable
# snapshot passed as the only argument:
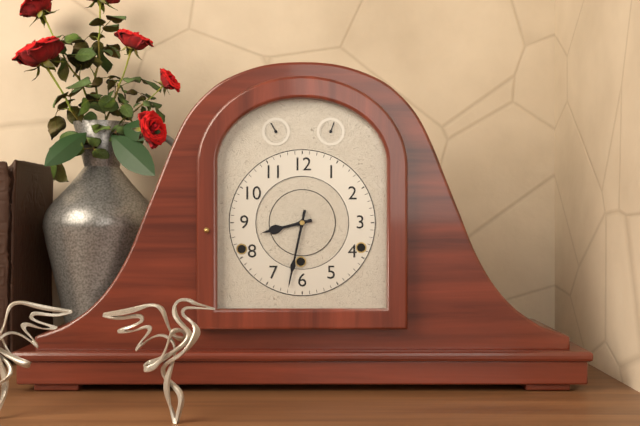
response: 8 h 32 min
